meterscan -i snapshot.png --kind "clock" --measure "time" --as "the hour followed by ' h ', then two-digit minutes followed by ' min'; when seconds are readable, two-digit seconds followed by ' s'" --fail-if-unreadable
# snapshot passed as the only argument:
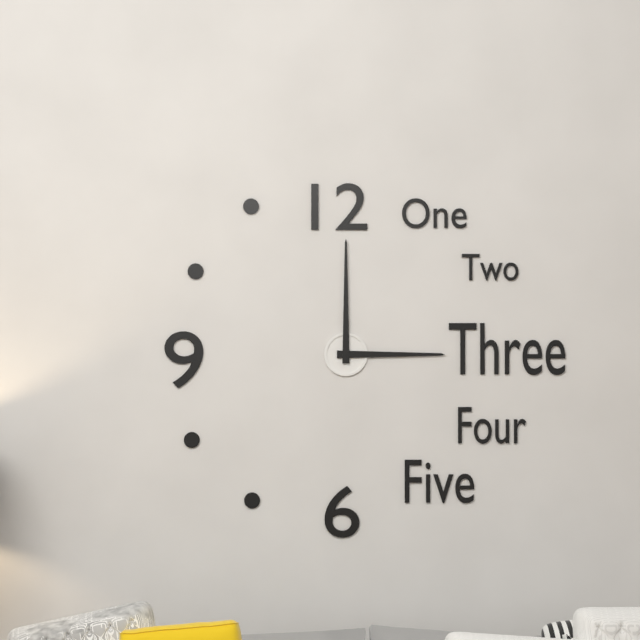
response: 3 h 00 min
